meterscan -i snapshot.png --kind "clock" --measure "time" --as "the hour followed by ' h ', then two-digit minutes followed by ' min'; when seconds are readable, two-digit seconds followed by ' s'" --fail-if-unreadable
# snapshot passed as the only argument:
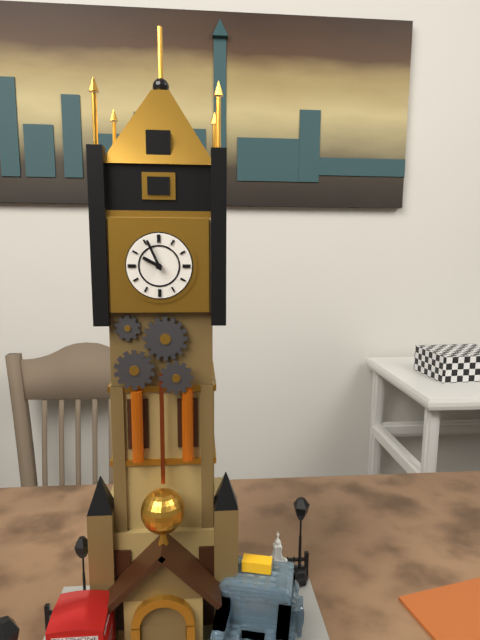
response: 9 h 56 min
